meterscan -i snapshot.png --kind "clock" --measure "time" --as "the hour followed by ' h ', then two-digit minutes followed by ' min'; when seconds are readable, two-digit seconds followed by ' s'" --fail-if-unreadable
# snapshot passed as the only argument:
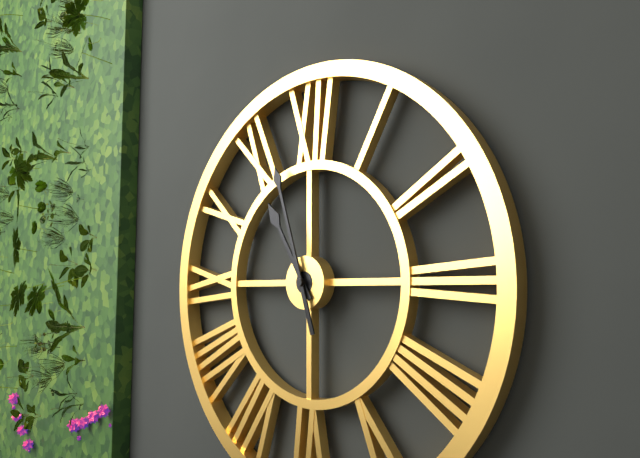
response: 10 h 57 min
